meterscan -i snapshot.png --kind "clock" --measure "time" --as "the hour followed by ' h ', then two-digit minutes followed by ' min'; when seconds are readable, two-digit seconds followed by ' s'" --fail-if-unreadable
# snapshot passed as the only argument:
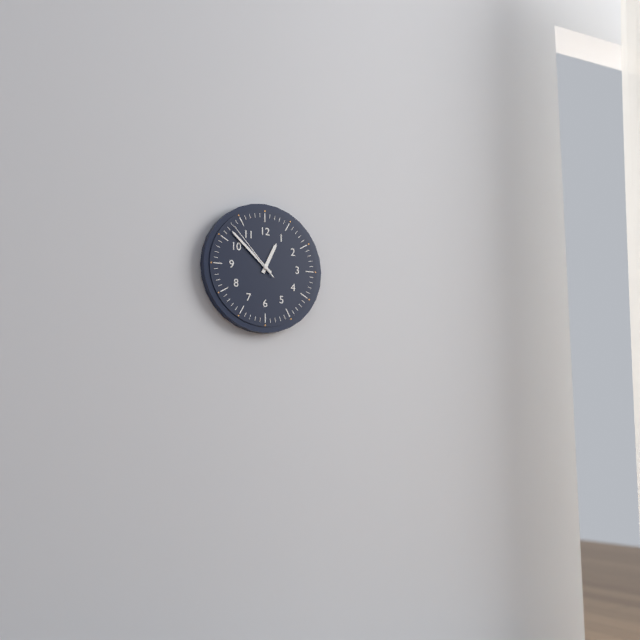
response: 12 h 52 min 53 s
